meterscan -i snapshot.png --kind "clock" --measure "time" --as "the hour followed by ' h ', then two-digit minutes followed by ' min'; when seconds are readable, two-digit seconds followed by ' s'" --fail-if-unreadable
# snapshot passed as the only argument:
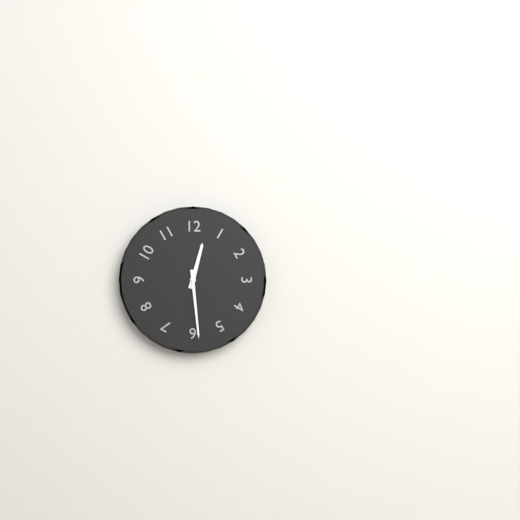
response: 12 h 29 min
